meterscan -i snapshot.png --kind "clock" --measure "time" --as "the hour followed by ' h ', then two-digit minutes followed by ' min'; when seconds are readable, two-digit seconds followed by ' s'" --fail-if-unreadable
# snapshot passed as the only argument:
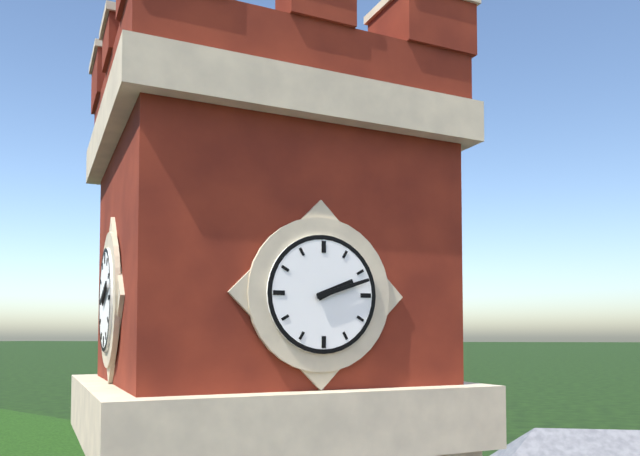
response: 2 h 12 min
